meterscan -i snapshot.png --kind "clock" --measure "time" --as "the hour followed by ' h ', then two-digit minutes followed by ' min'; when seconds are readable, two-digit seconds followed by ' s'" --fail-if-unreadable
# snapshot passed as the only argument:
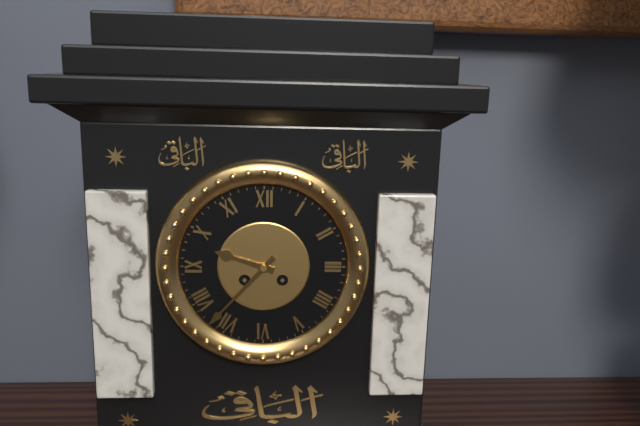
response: 9 h 37 min
